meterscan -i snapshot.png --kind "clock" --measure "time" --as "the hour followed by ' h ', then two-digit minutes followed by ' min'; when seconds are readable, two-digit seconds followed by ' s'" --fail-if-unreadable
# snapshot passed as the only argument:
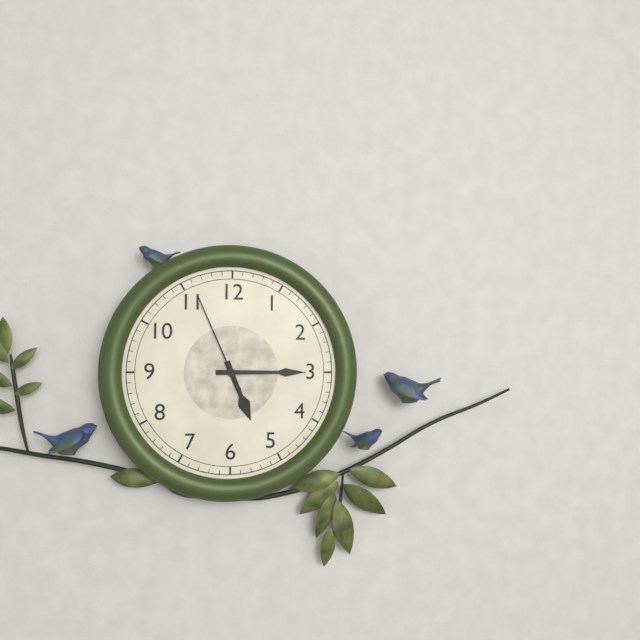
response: 5 h 15 min 56 s
